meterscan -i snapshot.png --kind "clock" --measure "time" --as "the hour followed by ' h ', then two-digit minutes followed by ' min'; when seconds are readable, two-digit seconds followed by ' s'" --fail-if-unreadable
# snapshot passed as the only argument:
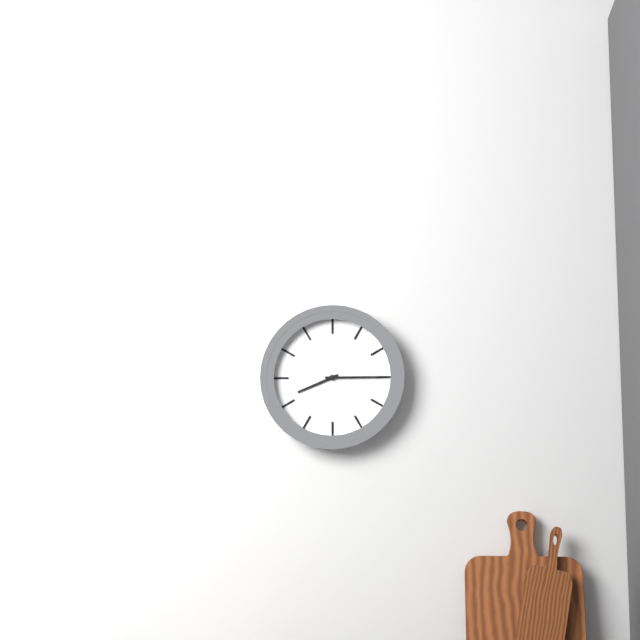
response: 8 h 15 min
